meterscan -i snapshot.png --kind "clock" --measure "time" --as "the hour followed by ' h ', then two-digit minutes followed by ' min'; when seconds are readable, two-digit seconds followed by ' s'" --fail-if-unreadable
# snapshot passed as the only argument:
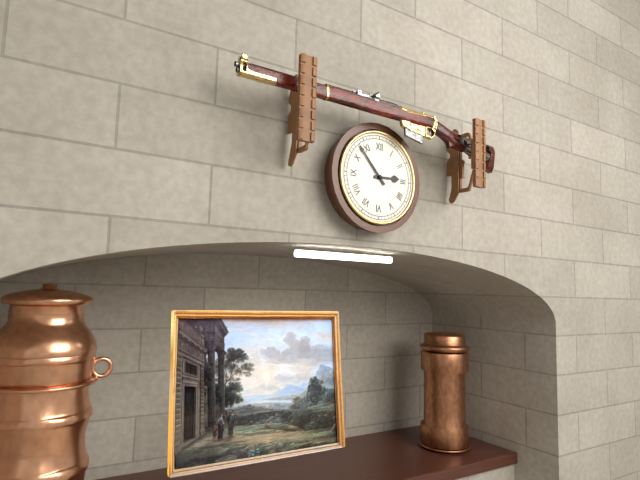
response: 2 h 53 min
